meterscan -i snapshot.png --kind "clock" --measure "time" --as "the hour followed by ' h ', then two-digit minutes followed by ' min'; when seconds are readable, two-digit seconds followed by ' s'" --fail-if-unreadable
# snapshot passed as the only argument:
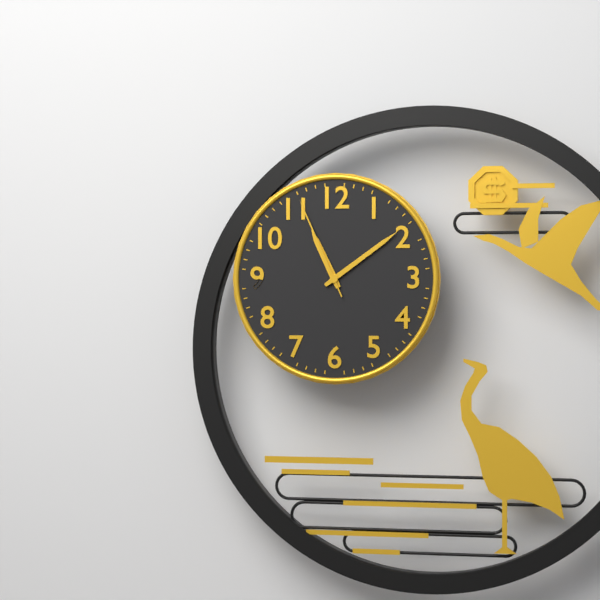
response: 11 h 09 min 56 s
